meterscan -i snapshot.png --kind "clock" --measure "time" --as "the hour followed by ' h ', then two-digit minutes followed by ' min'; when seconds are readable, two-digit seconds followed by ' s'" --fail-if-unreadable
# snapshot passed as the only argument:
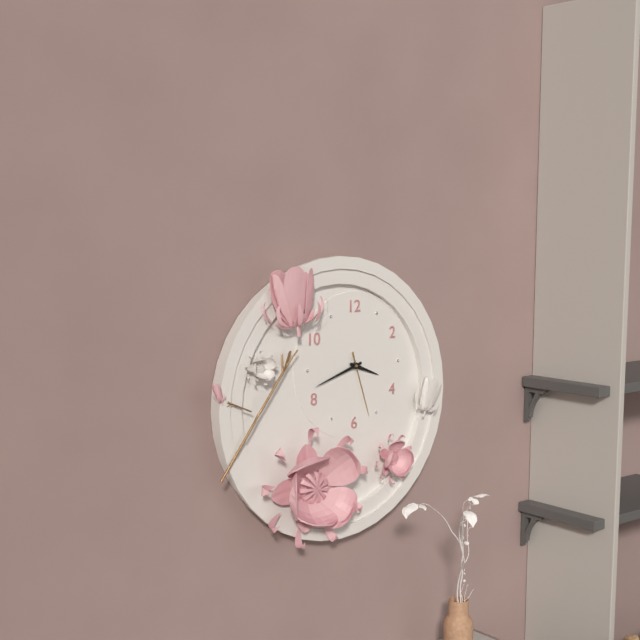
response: 3 h 42 min 27 s
